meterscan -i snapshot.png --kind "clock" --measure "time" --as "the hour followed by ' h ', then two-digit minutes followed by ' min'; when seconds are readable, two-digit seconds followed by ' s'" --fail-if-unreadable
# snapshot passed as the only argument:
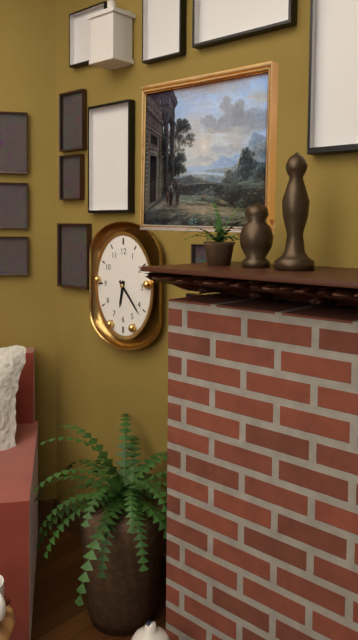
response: 6 h 23 min
